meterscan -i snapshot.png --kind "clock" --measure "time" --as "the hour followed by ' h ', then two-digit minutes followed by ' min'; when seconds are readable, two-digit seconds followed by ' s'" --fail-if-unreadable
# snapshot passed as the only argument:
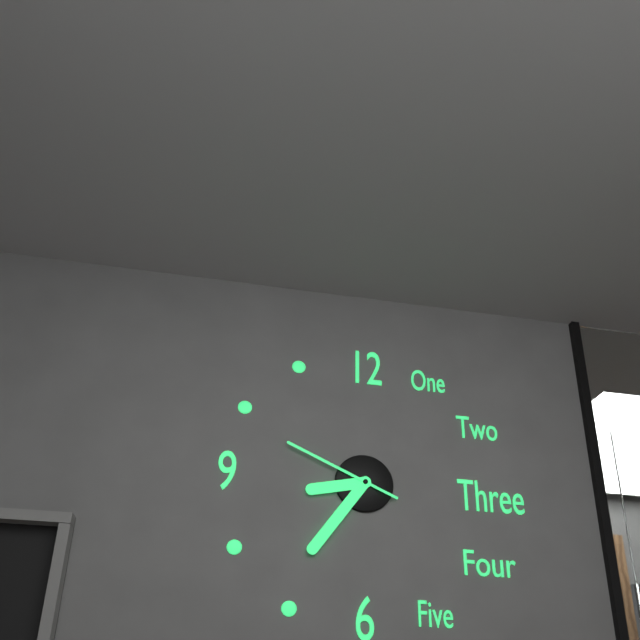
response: 8 h 36 min 49 s
